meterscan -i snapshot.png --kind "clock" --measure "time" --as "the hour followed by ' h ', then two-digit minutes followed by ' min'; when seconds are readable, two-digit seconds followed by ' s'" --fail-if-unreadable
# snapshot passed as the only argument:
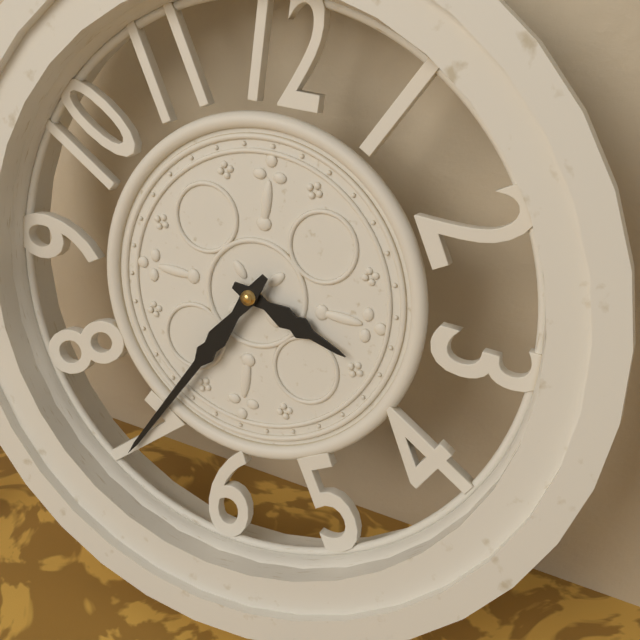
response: 3 h 35 min
